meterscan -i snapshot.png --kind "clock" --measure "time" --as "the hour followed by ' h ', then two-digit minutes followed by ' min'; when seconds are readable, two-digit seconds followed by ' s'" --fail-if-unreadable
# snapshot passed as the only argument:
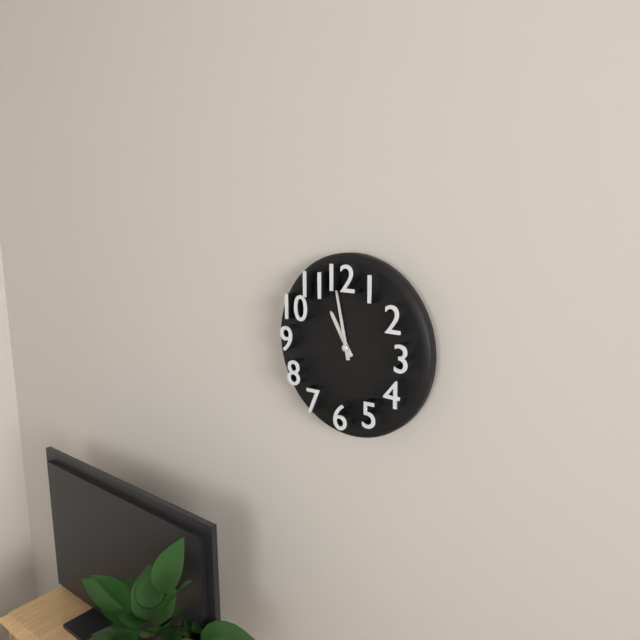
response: 10 h 58 min
